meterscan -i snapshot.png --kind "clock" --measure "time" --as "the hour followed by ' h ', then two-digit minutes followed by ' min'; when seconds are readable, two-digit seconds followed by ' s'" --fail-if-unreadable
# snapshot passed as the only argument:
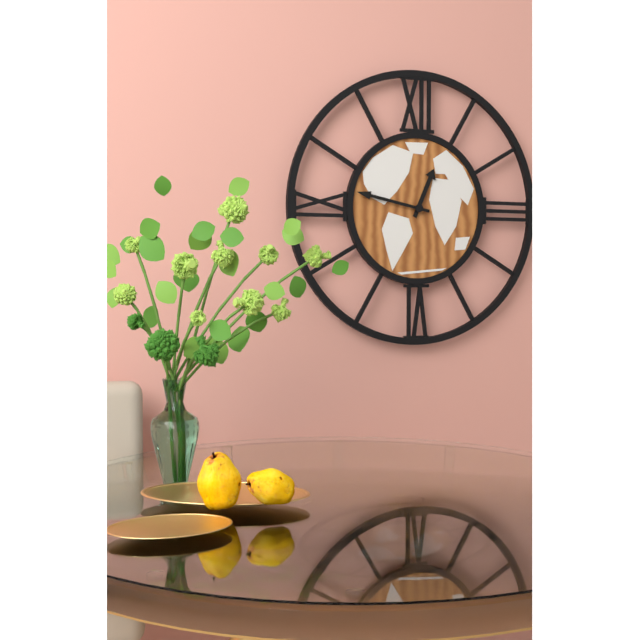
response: 12 h 47 min
